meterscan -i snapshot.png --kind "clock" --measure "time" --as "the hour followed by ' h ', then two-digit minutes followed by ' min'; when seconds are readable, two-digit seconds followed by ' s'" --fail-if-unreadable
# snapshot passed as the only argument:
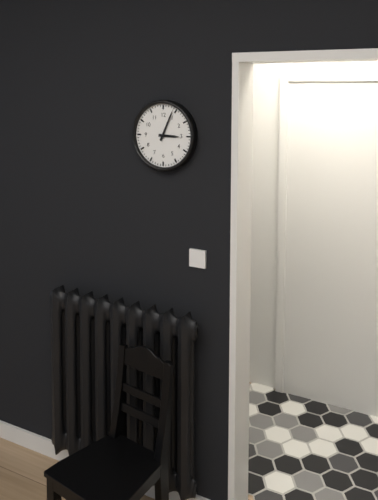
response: 3 h 04 min
